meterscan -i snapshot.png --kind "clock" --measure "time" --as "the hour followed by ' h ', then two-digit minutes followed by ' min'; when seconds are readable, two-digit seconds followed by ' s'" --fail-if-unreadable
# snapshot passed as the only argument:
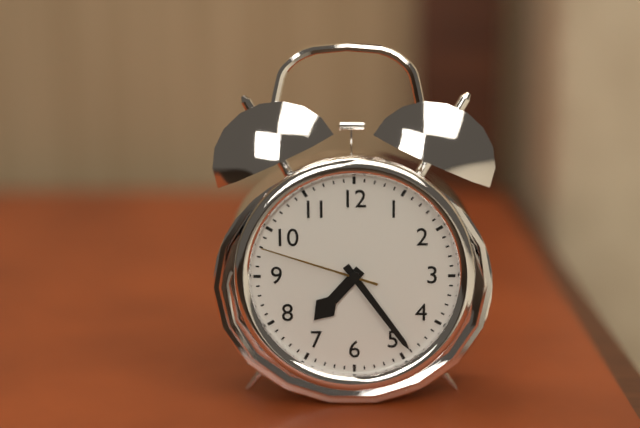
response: 7 h 24 min 48 s
